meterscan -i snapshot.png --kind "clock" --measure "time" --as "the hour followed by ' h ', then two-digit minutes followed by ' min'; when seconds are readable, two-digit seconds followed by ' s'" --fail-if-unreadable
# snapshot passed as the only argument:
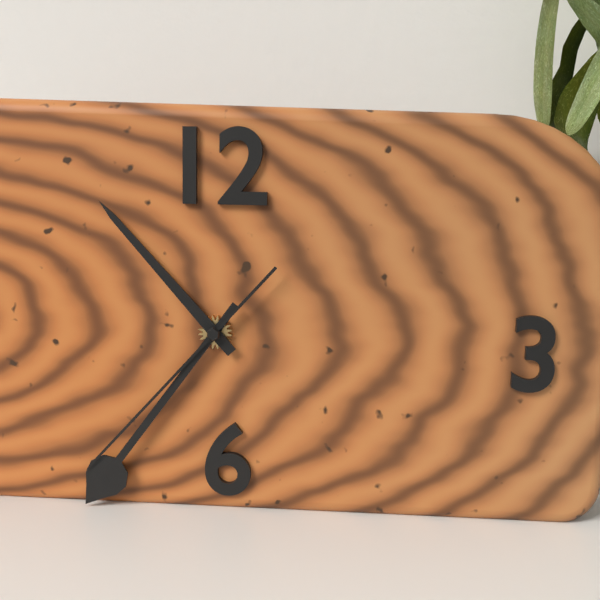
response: 10 h 36 min 37 s
